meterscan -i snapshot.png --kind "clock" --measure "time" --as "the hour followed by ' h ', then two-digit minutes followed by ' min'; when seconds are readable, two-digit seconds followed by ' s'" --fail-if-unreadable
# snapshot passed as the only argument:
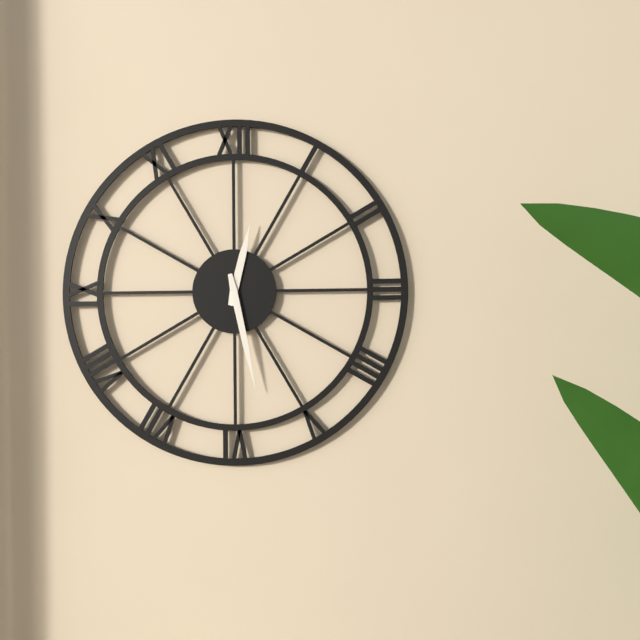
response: 12 h 28 min
